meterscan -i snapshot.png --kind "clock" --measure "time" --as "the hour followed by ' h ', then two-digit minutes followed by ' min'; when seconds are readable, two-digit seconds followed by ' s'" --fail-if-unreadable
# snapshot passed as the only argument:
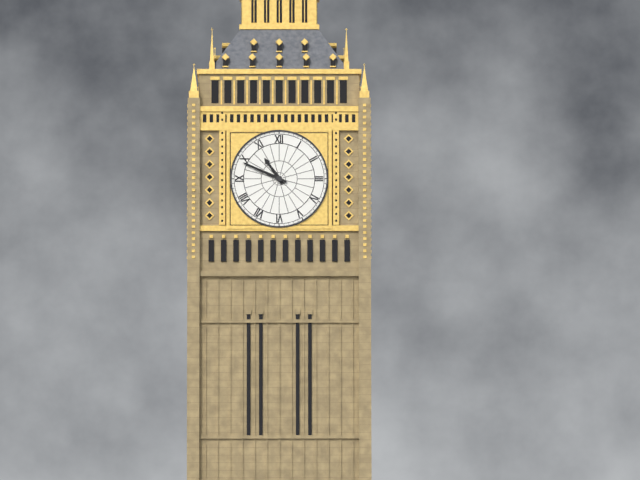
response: 10 h 49 min
